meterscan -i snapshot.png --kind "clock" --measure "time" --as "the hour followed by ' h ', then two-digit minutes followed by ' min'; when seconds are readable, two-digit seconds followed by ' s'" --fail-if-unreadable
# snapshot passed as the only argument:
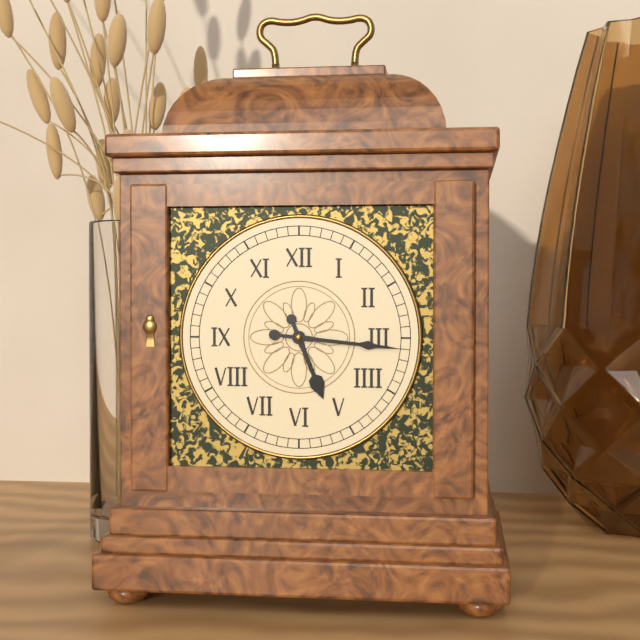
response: 5 h 16 min
